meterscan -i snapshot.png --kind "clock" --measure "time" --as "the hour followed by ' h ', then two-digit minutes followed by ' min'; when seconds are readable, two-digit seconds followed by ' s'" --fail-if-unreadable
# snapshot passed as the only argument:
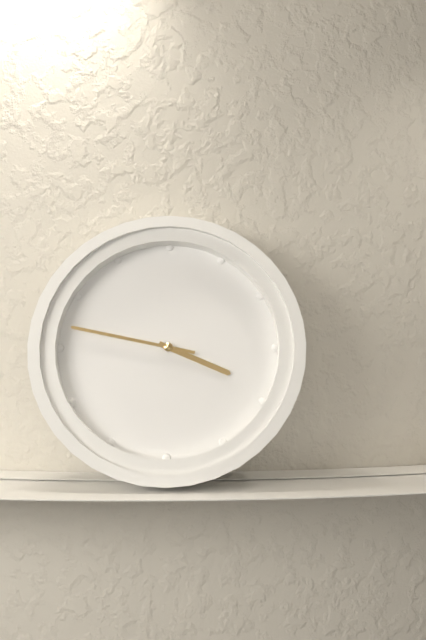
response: 3 h 47 min
